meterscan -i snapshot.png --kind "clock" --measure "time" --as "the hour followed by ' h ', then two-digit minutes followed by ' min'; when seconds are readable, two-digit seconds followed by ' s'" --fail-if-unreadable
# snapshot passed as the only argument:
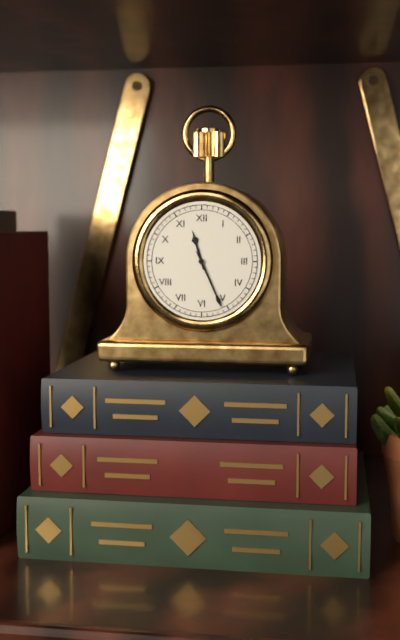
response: 11 h 26 min
